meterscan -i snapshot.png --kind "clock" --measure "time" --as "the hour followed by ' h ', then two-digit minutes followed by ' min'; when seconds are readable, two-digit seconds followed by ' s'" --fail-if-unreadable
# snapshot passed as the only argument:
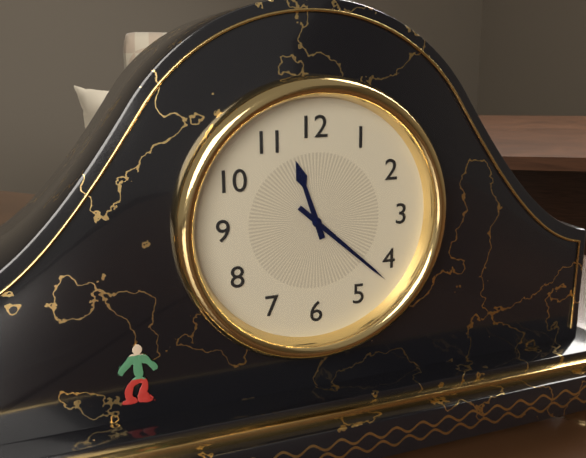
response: 11 h 22 min
